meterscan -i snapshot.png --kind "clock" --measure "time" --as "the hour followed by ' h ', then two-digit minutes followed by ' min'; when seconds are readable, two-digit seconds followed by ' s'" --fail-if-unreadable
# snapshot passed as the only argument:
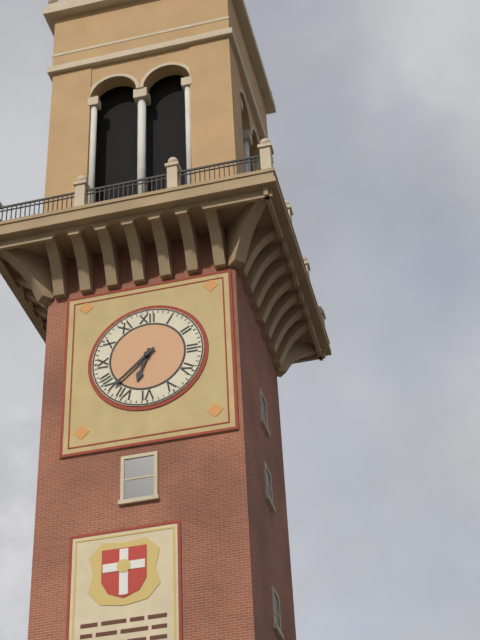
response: 6 h 38 min
